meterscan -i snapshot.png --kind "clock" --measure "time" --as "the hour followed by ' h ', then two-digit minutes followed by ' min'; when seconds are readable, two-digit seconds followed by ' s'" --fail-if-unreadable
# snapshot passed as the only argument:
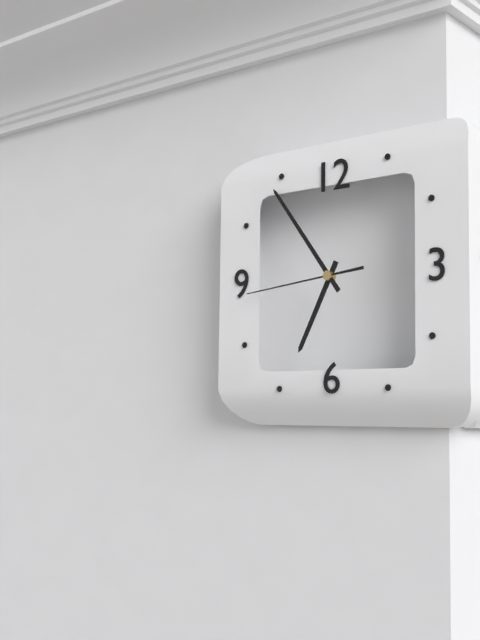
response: 6 h 54 min 44 s
